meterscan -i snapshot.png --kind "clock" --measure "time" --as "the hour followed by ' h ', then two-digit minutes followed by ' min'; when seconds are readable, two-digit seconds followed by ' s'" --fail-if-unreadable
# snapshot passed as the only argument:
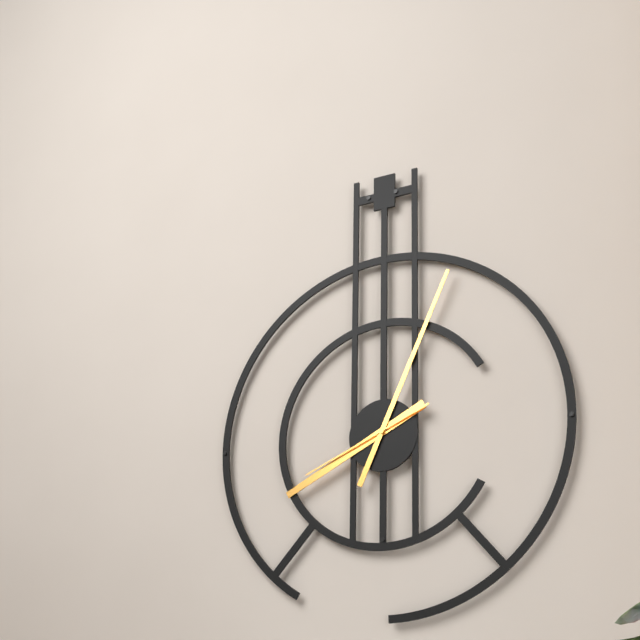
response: 8 h 04 min 41 s
